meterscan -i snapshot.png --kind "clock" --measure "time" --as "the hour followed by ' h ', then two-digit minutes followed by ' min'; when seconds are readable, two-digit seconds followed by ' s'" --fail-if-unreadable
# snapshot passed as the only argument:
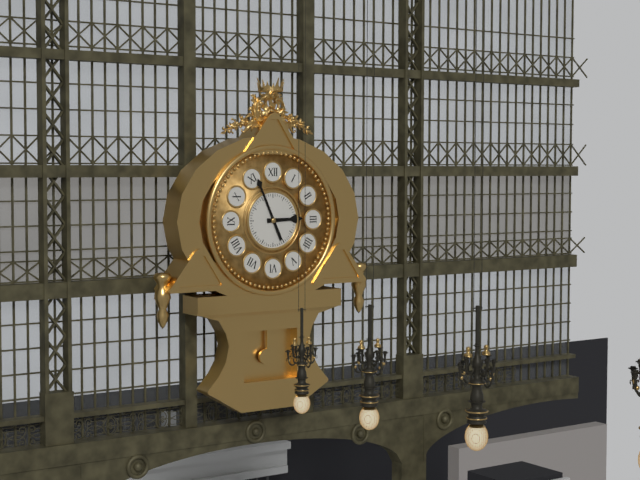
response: 2 h 56 min
